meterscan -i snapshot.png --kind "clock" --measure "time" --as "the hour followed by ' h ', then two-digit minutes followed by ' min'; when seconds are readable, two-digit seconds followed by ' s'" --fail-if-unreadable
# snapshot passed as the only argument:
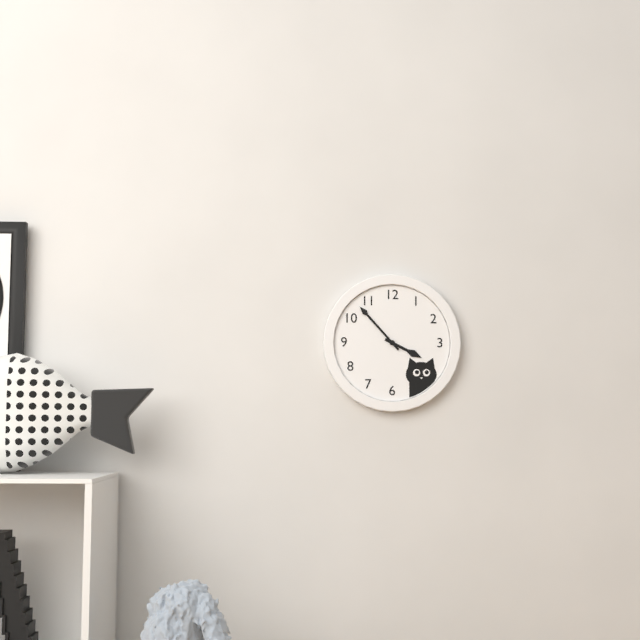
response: 3 h 53 min
